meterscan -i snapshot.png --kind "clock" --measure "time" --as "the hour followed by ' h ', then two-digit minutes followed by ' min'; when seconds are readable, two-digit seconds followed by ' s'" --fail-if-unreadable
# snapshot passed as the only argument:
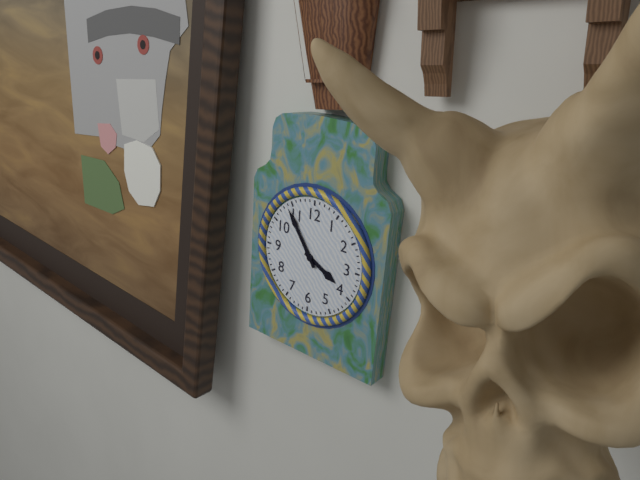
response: 3 h 54 min
